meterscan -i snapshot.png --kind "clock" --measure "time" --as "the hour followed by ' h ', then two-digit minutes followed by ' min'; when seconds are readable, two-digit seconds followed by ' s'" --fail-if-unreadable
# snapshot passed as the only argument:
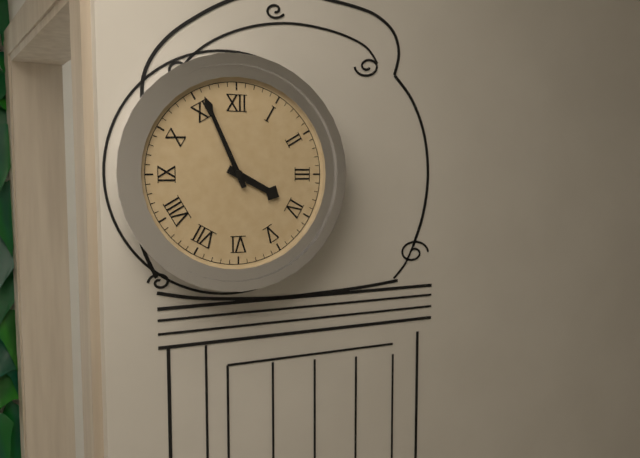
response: 3 h 56 min
